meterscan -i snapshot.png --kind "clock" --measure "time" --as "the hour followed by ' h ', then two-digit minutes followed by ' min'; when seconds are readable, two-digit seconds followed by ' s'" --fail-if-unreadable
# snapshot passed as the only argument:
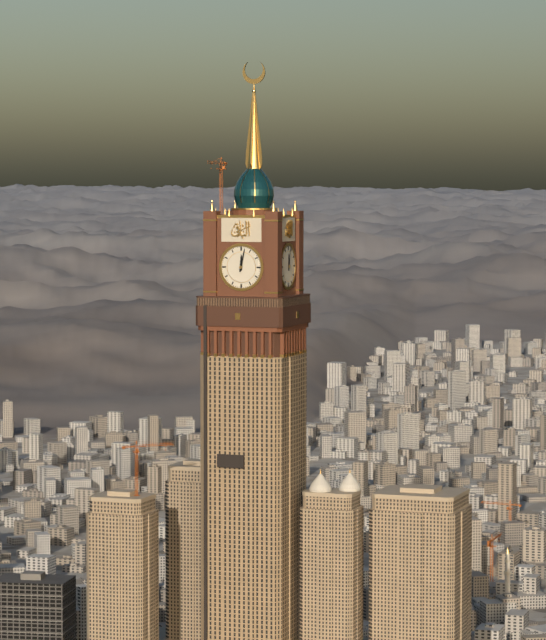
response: 12 h 02 min
